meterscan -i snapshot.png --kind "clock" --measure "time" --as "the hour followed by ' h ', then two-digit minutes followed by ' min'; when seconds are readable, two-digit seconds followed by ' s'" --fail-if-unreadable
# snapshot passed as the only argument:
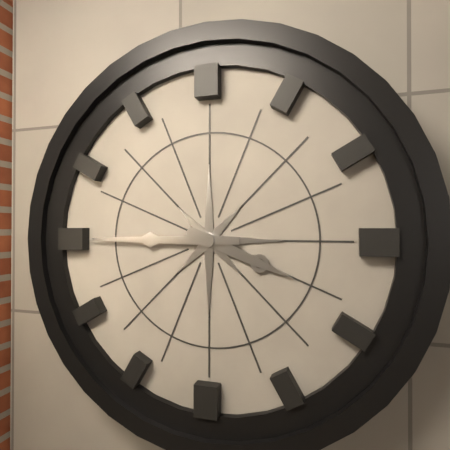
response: 3 h 45 min
